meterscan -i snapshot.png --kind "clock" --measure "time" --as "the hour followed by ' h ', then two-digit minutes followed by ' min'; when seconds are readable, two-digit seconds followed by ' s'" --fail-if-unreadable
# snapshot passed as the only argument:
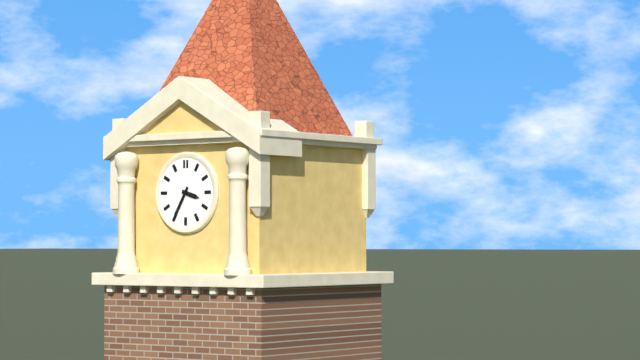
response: 3 h 35 min
